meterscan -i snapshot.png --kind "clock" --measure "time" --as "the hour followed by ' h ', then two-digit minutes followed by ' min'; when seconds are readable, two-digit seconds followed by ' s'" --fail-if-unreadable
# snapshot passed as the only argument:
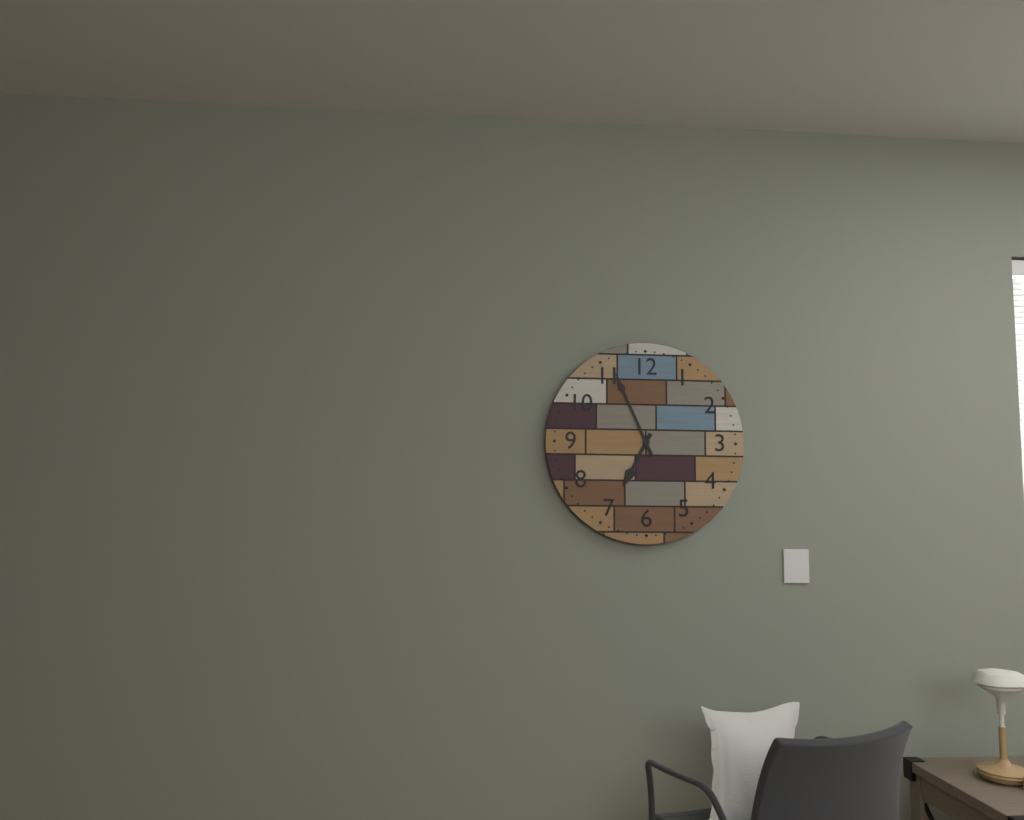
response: 6 h 56 min
